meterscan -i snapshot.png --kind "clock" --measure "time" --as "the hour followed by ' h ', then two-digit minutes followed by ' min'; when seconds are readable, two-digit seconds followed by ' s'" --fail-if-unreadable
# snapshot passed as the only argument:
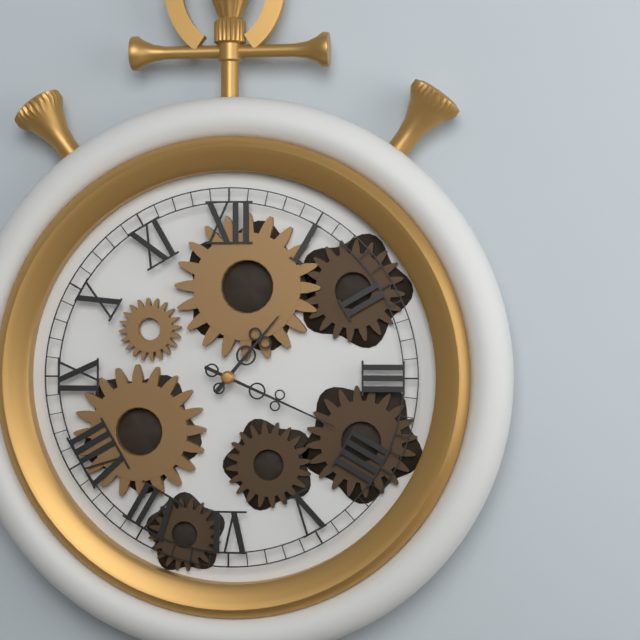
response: 1 h 19 min
